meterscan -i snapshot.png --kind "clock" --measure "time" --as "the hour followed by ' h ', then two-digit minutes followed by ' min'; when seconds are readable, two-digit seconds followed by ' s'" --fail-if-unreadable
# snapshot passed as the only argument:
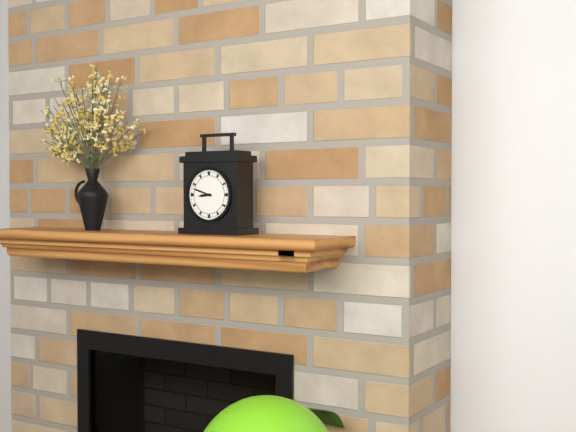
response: 8 h 48 min
